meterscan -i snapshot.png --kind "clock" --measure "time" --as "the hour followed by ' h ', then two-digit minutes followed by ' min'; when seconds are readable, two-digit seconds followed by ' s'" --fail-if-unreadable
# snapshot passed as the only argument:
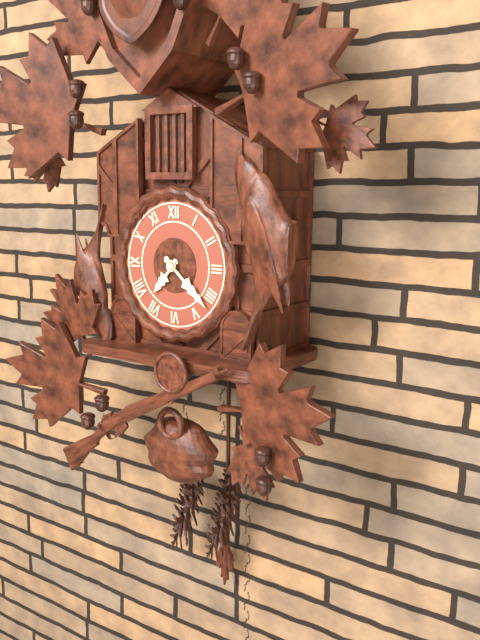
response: 7 h 22 min
